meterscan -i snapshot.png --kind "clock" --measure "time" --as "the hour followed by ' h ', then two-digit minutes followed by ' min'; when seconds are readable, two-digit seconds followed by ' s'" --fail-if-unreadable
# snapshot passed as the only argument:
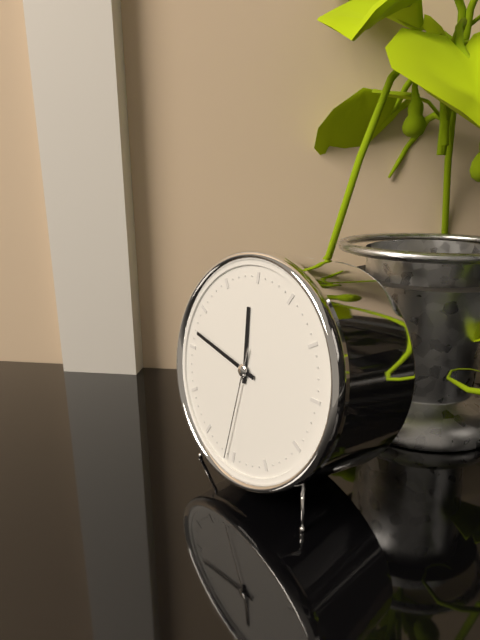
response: 11 h 47 min 31 s
